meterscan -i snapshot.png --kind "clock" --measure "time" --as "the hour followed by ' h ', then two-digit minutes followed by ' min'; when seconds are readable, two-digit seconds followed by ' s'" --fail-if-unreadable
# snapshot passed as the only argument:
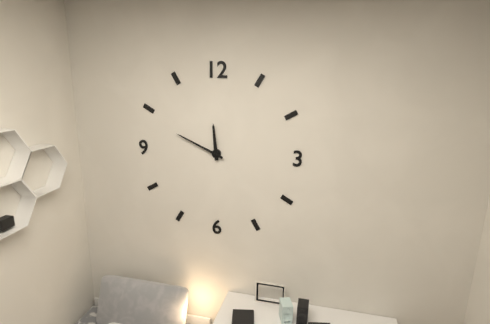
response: 11 h 49 min
